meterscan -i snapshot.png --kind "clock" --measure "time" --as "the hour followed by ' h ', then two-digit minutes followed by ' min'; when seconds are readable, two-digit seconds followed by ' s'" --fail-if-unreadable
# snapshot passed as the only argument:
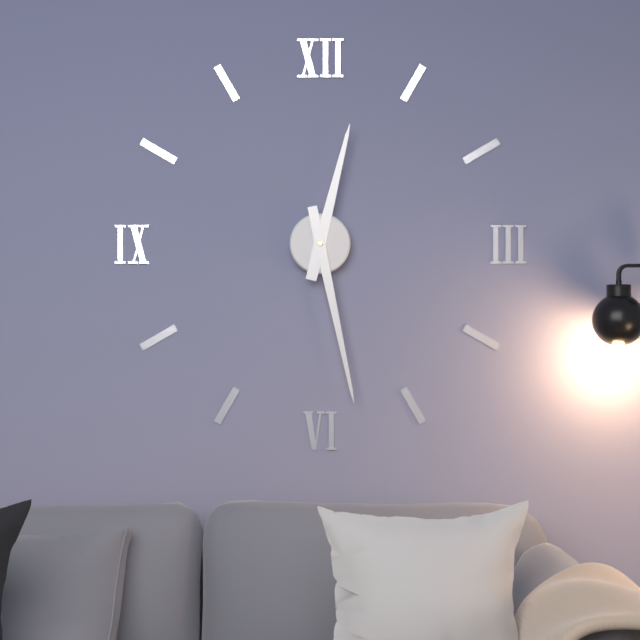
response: 12 h 28 min
